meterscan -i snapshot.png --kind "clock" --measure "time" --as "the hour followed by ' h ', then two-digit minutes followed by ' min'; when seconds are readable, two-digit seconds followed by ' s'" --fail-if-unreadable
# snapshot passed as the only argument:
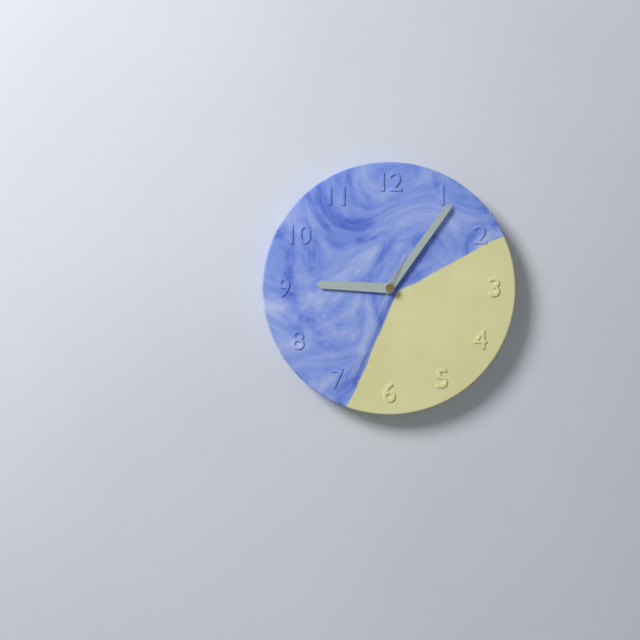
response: 9 h 06 min 34 s
